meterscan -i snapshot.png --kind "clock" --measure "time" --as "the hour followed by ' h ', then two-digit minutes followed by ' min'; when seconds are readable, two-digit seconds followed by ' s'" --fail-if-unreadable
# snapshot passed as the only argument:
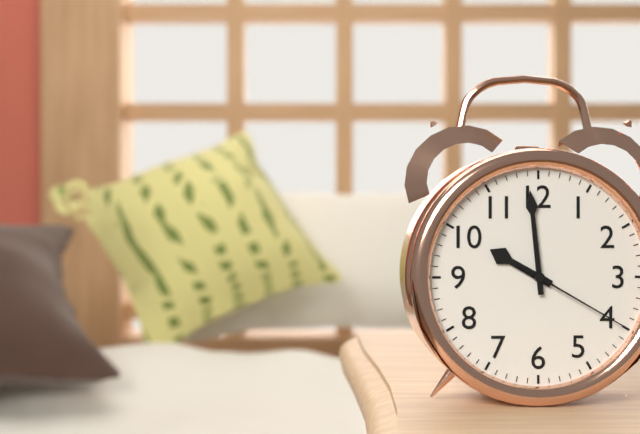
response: 9 h 59 min 20 s
